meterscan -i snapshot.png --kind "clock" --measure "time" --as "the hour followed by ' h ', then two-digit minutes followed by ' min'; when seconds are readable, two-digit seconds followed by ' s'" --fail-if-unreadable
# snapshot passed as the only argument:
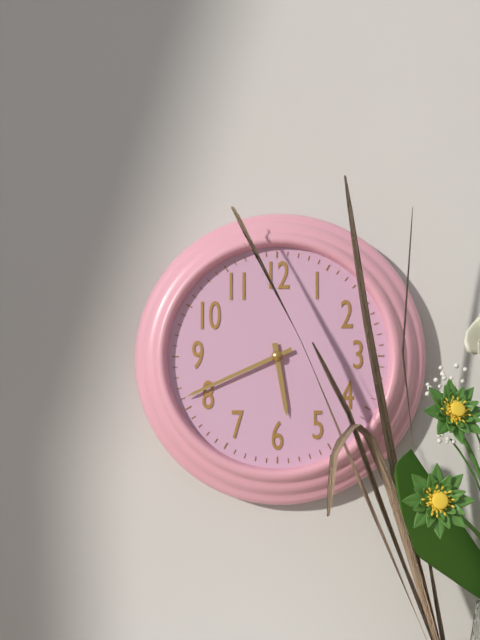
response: 5 h 41 min
